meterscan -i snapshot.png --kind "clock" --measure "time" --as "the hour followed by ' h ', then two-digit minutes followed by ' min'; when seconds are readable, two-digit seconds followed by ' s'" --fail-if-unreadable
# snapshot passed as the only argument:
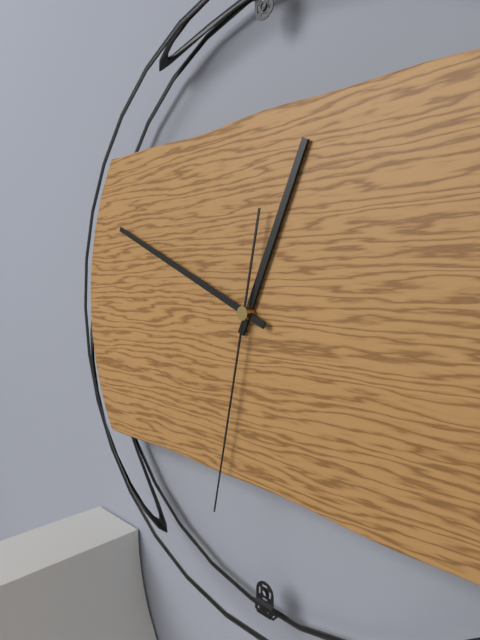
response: 12 h 49 min 32 s
